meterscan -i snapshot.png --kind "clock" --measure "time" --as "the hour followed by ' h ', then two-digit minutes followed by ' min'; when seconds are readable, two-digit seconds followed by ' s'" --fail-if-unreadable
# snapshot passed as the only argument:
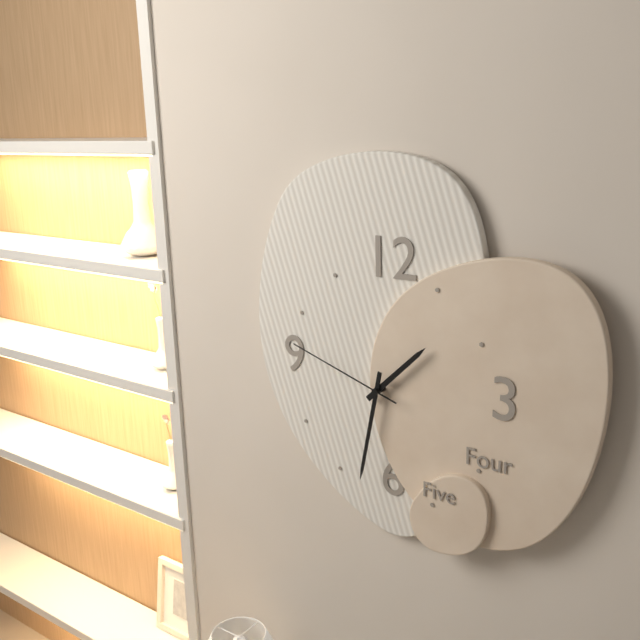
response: 1 h 32 min 48 s
